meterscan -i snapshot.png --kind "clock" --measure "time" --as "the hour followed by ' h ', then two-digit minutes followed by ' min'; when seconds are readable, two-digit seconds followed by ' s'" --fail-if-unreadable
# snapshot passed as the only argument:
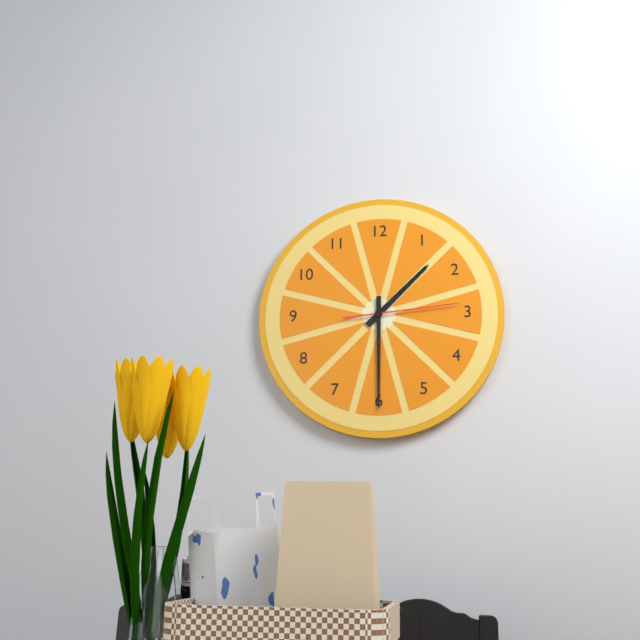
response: 1 h 30 min 14 s
